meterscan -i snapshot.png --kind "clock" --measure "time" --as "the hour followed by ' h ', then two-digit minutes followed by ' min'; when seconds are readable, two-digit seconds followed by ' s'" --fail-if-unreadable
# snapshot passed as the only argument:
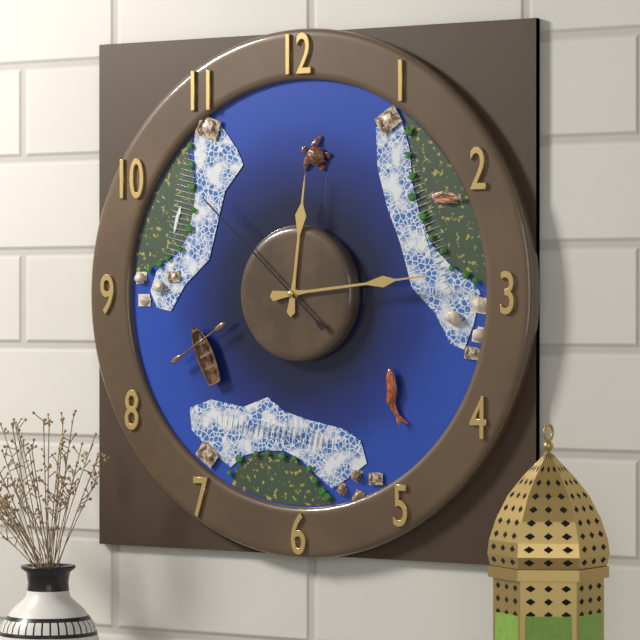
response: 12 h 14 min 52 s
